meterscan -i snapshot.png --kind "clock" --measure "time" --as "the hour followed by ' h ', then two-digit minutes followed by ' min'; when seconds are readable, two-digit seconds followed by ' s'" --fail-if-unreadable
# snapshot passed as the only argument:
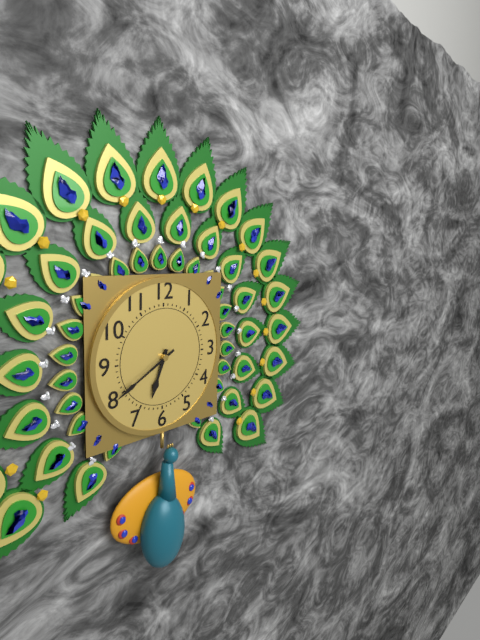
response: 6 h 40 min
